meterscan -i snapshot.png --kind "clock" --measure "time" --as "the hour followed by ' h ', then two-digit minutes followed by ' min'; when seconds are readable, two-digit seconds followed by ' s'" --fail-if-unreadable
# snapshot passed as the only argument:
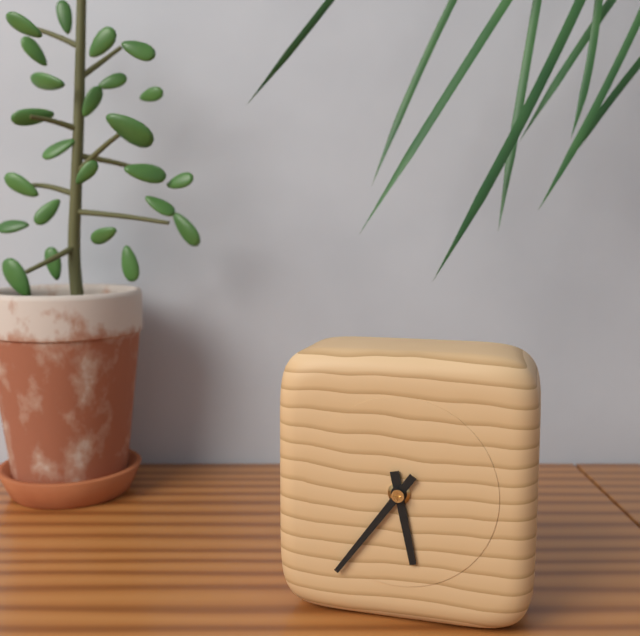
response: 5 h 36 min
